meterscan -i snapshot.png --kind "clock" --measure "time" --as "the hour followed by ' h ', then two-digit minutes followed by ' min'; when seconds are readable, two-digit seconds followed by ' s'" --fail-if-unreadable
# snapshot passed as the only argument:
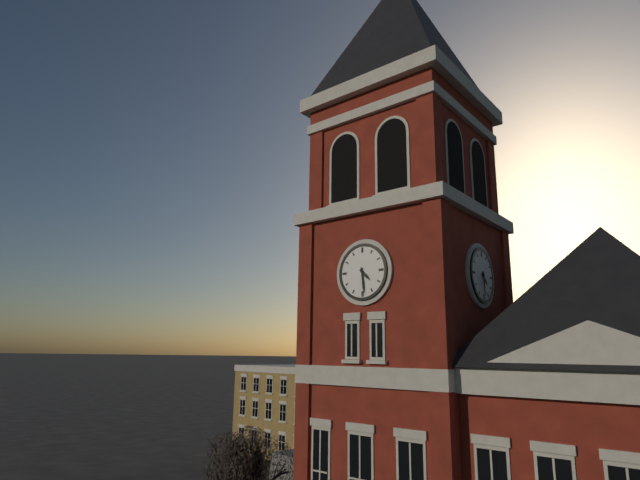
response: 4 h 29 min
